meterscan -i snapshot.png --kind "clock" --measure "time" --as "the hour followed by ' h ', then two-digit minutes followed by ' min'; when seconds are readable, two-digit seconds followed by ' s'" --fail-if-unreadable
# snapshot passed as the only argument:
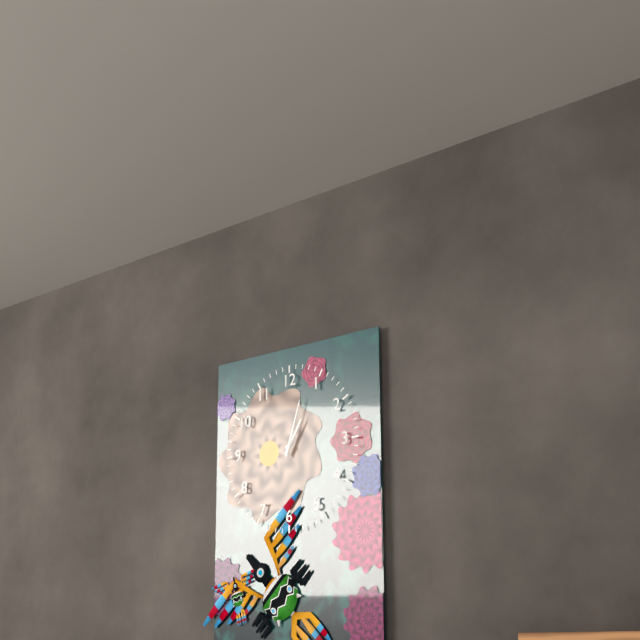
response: 1 h 03 min
